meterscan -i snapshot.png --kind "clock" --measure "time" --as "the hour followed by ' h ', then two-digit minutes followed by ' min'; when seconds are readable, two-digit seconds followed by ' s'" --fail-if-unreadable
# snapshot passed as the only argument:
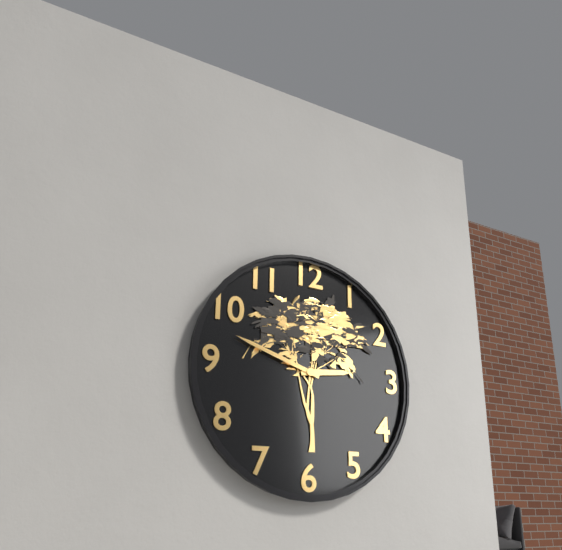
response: 2 h 48 min
